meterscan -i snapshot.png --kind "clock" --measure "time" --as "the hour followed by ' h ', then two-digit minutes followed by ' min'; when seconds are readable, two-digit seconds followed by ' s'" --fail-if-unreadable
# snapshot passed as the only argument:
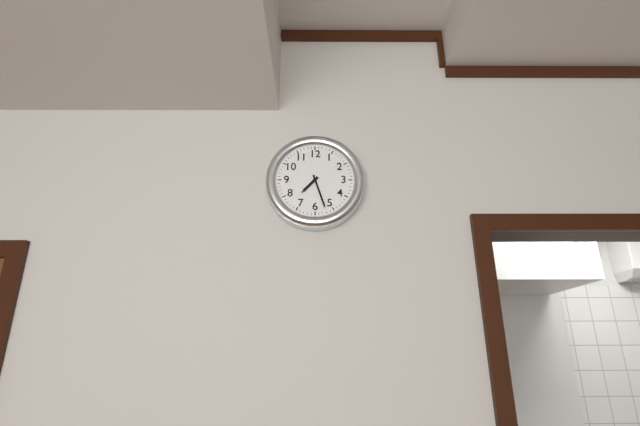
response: 7 h 27 min
